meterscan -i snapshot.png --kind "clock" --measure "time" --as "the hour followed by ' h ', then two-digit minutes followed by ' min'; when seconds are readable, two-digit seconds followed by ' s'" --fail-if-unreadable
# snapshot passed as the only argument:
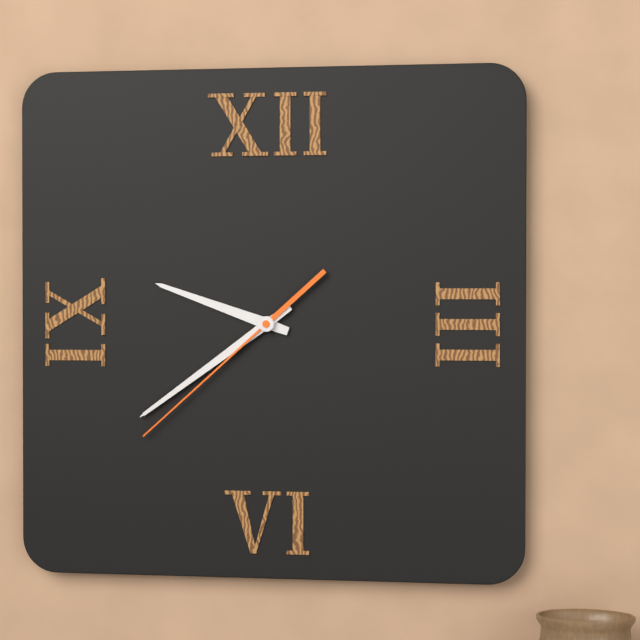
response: 9 h 39 min 38 s
